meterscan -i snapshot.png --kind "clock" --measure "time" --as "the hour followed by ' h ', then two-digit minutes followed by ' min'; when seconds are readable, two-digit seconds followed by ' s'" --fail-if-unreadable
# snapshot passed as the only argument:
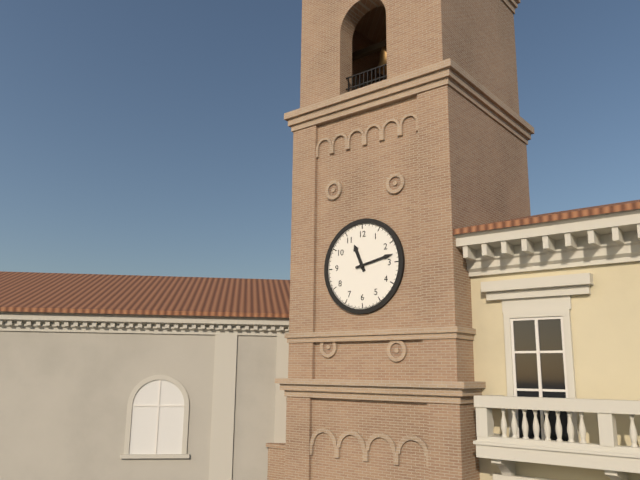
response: 11 h 13 min
